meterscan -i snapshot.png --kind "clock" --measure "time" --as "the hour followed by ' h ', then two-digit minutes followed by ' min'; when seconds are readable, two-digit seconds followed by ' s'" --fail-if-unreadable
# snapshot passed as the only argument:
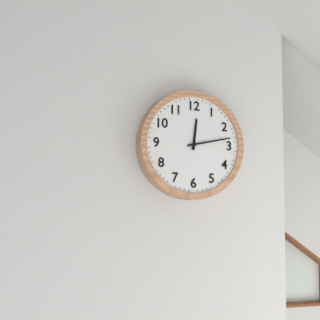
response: 12 h 13 min
